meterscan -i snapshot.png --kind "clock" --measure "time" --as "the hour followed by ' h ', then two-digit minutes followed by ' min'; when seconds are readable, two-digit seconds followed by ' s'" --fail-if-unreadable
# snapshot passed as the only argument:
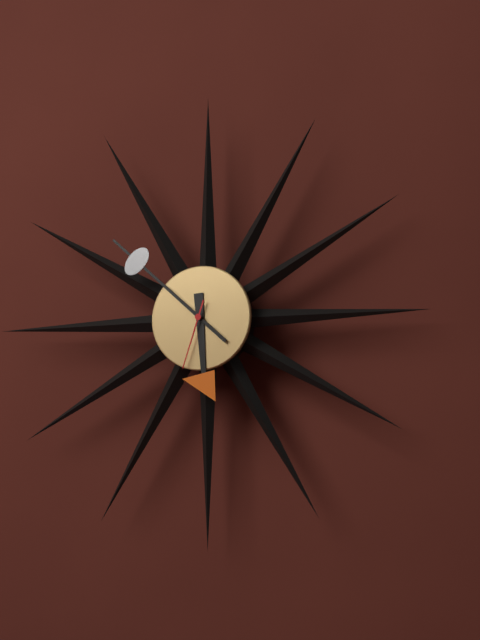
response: 5 h 52 min 33 s
